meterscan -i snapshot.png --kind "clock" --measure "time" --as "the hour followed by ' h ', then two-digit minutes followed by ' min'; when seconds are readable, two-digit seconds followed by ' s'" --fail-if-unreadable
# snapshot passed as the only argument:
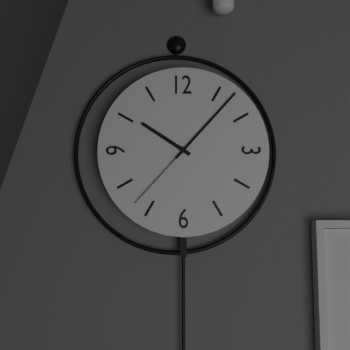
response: 10 h 07 min 37 s
